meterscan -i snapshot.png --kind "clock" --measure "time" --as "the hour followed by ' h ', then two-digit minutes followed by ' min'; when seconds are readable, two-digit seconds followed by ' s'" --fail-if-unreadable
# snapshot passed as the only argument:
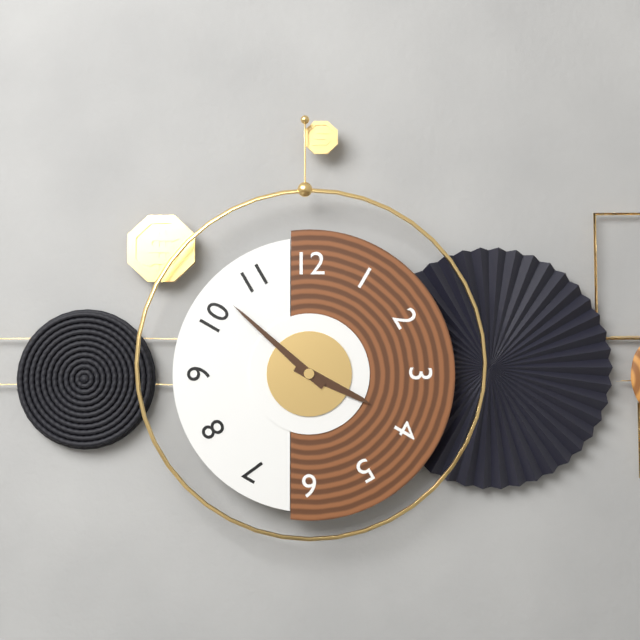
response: 3 h 52 min
